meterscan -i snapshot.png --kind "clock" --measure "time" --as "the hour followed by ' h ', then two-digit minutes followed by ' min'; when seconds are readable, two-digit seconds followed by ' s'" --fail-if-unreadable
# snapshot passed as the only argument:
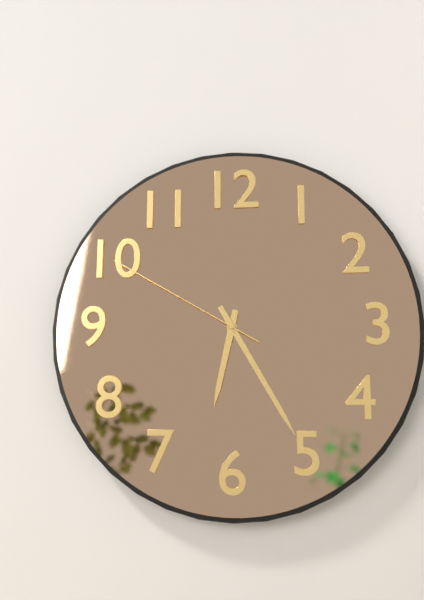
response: 6 h 25 min 50 s
